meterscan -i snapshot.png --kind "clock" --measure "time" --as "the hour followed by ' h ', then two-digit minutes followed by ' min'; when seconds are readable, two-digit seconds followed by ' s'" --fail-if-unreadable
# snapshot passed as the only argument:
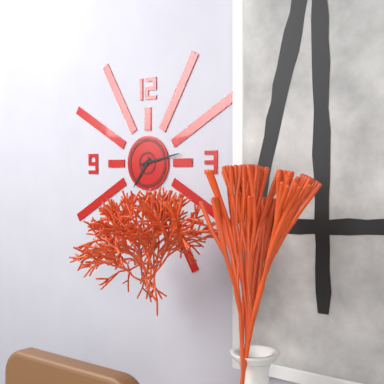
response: 7 h 13 min
